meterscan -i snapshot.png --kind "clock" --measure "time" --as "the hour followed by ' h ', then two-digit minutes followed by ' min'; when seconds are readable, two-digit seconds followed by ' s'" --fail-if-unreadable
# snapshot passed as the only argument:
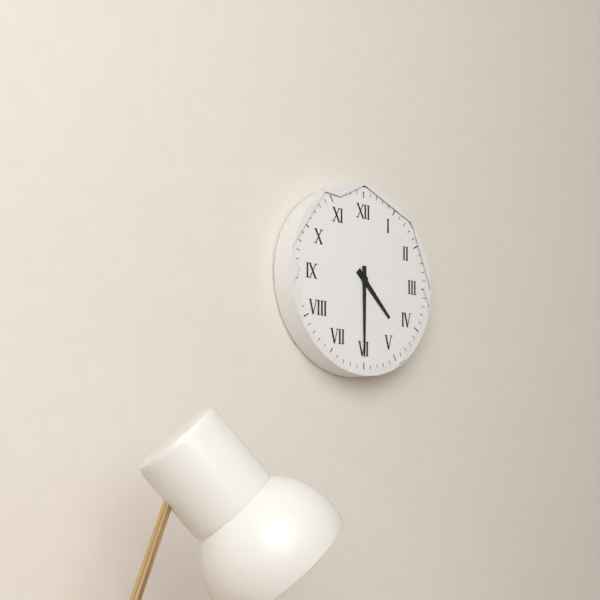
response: 4 h 30 min
